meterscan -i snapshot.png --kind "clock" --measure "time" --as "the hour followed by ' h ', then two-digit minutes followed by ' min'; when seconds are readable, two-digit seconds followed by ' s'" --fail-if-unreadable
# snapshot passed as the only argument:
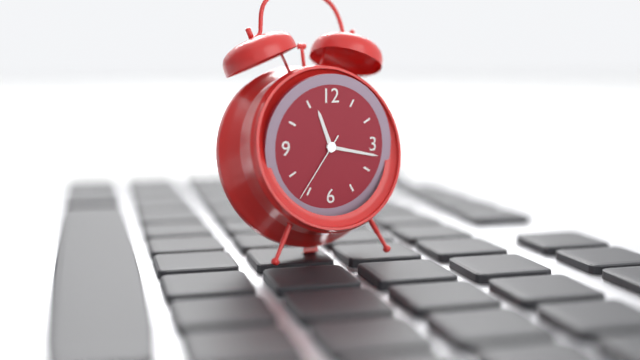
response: 11 h 17 min 36 s
